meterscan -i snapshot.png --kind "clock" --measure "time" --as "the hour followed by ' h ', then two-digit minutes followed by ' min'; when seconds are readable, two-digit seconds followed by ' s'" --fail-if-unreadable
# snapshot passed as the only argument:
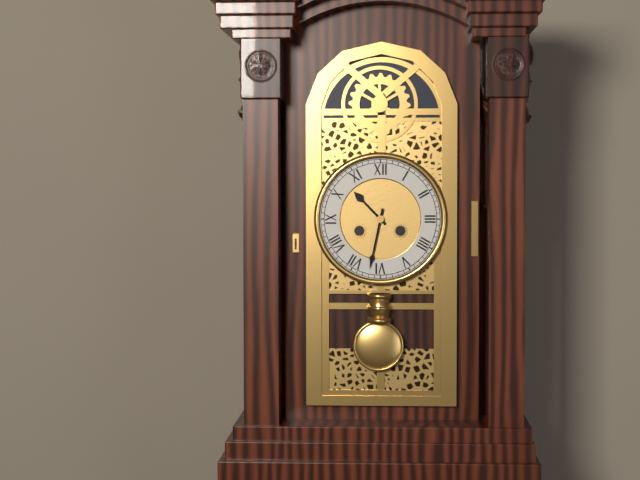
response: 10 h 32 min
